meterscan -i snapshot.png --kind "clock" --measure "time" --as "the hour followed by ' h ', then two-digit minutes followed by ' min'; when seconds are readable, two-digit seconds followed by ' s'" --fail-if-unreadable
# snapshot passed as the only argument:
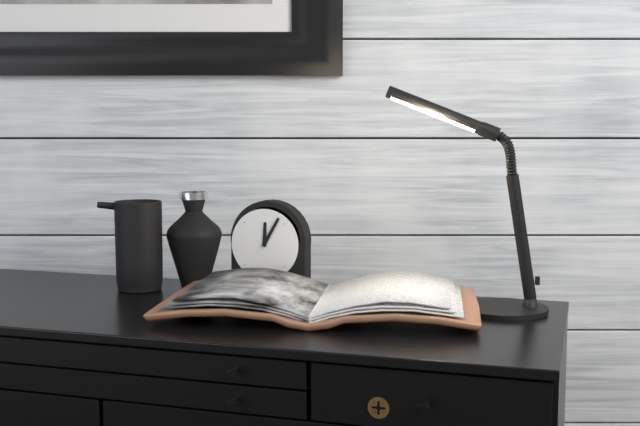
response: 12 h 05 min
